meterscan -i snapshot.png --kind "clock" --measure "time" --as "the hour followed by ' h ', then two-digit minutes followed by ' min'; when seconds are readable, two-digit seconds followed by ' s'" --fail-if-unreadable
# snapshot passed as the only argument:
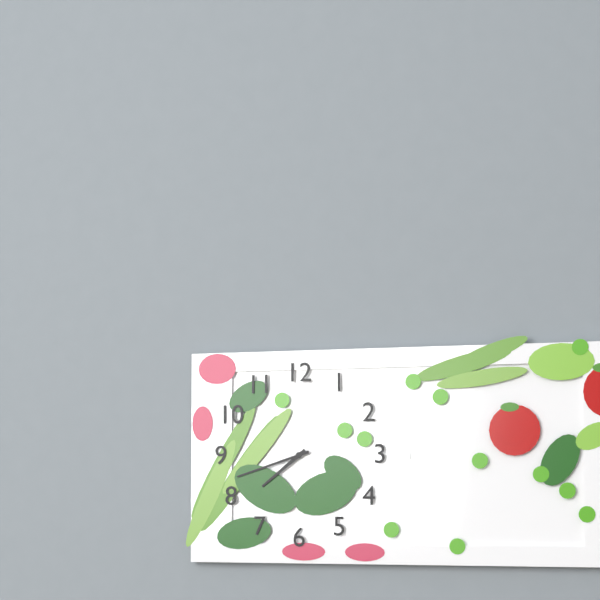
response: 7 h 42 min
